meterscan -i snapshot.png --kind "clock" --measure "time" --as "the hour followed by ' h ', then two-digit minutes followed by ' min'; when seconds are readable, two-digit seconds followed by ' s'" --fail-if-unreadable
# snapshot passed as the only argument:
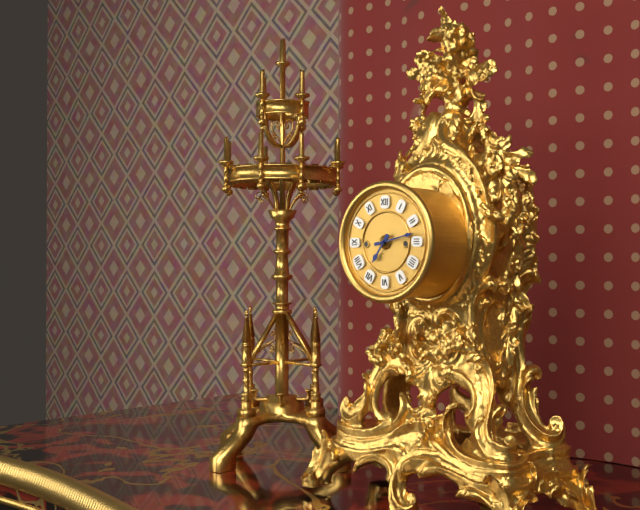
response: 7 h 13 min
